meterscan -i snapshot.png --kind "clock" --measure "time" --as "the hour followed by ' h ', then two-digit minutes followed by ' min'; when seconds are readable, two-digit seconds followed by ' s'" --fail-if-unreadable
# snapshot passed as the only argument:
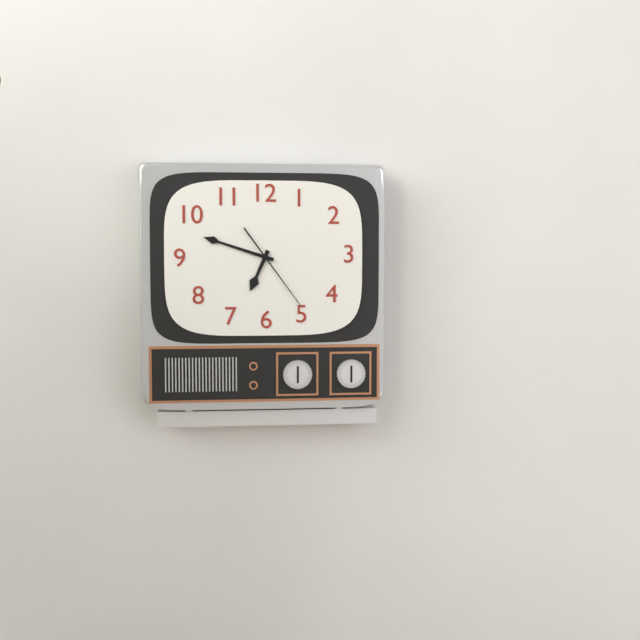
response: 6 h 48 min 24 s
